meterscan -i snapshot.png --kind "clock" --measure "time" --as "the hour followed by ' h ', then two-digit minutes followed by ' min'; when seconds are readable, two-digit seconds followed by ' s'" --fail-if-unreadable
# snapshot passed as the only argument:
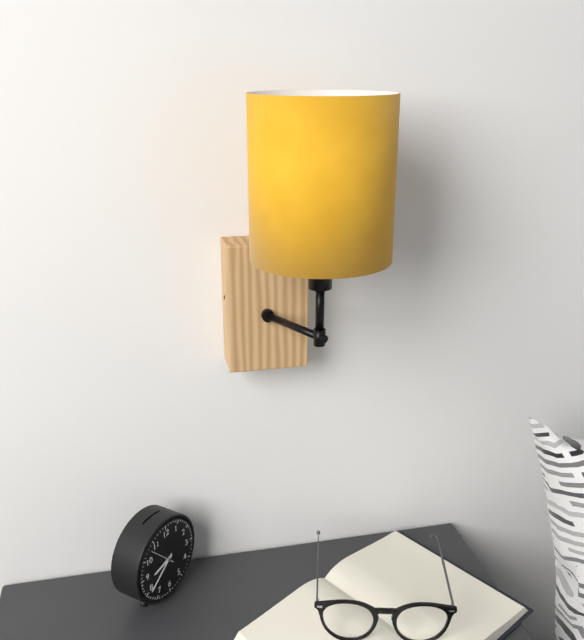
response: 8 h 39 min
